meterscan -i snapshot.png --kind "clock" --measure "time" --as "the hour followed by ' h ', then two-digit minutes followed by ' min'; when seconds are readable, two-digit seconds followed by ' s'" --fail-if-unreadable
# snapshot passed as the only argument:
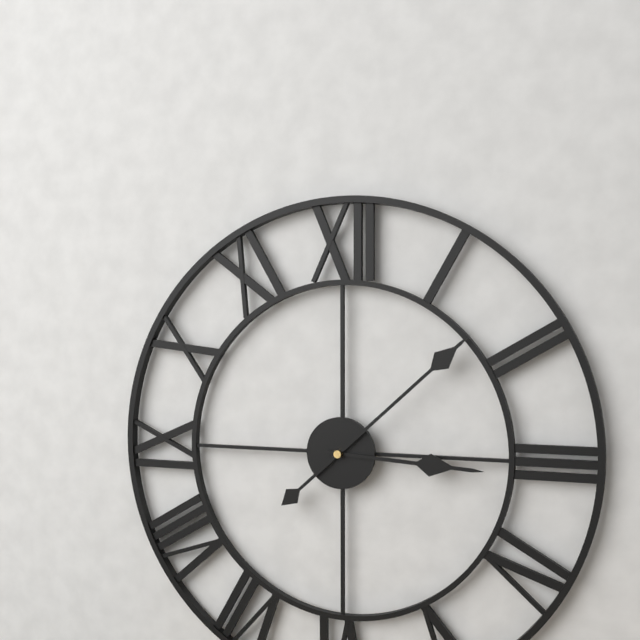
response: 3 h 08 min
